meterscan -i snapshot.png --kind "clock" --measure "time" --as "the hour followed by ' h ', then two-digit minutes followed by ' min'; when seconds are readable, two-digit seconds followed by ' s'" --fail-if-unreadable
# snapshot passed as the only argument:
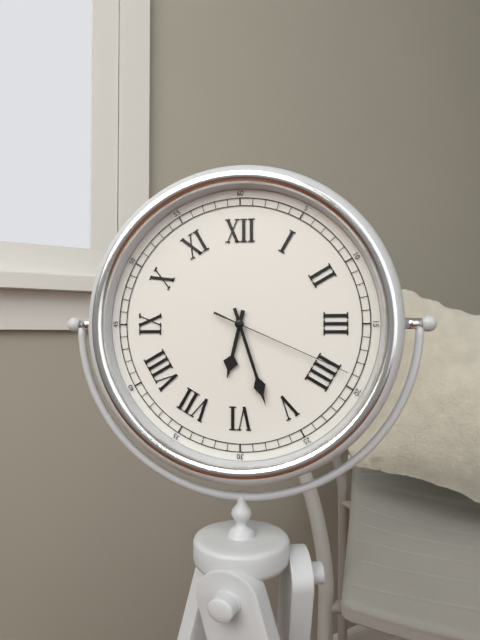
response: 6 h 27 min 19 s
